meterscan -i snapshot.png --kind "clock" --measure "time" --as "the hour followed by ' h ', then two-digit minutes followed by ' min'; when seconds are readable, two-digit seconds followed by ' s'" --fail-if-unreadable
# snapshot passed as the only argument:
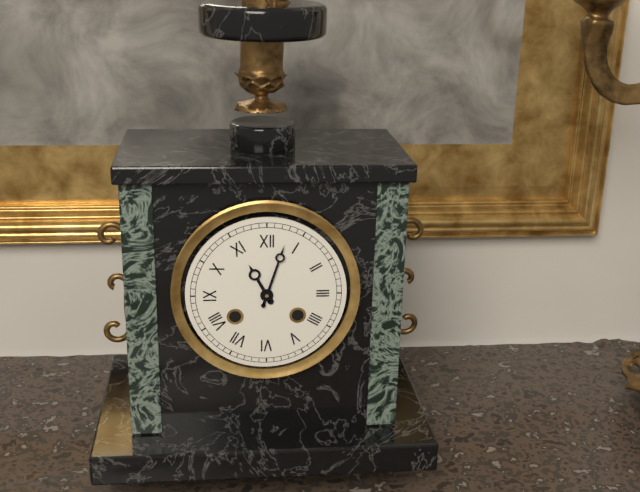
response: 11 h 03 min
